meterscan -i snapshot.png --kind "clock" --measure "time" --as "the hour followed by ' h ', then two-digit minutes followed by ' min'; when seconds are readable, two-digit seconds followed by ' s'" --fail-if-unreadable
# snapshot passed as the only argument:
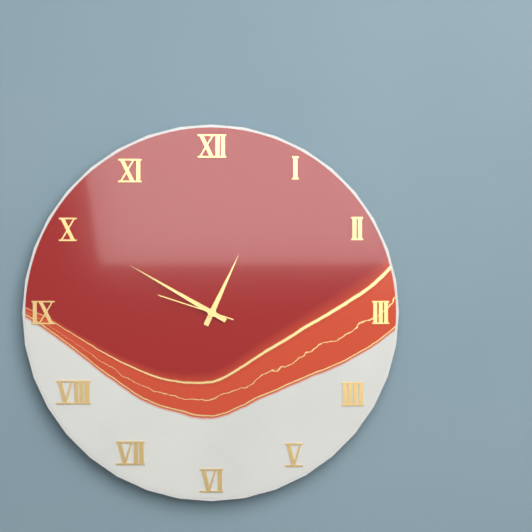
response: 12 h 50 min 48 s
